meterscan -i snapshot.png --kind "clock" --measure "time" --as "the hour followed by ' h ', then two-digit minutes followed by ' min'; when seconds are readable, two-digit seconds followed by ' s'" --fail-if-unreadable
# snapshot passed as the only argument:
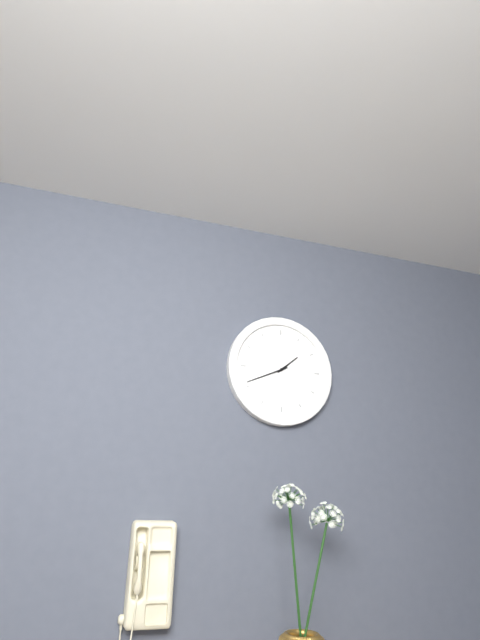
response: 1 h 41 min
